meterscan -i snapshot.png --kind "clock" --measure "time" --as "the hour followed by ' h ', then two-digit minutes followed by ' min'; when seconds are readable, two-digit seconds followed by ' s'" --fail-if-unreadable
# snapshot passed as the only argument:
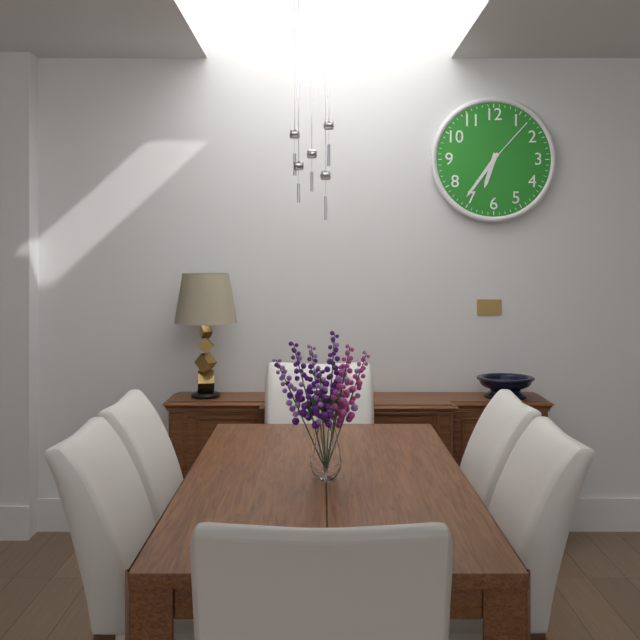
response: 6 h 36 min 07 s
